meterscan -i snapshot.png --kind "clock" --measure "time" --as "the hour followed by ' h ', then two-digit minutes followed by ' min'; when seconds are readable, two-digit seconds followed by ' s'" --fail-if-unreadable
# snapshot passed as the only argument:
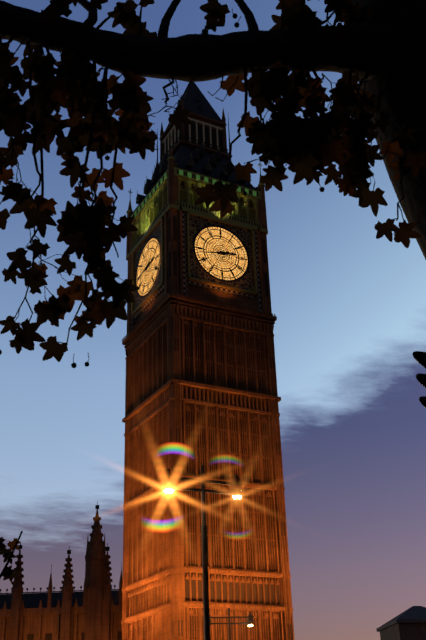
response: 2 h 43 min
